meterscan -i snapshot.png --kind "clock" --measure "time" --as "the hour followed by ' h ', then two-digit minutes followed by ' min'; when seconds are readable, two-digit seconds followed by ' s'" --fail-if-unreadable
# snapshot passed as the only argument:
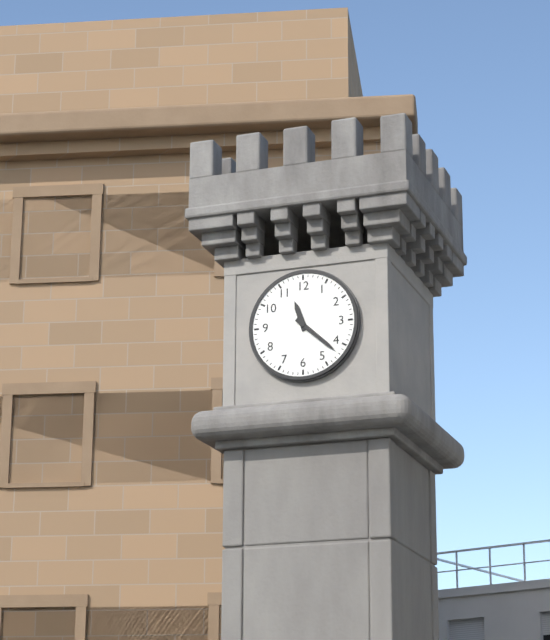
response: 11 h 22 min
